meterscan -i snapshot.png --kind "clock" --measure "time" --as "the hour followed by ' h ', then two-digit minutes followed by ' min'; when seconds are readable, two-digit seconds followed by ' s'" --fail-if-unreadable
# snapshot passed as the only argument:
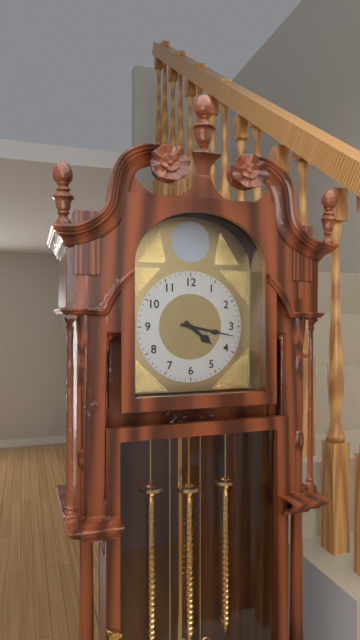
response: 4 h 17 min
